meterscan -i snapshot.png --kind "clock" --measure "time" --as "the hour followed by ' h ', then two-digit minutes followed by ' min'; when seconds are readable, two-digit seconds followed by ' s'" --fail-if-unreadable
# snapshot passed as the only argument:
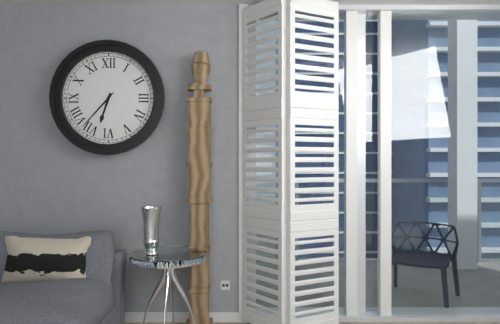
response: 6 h 37 min
